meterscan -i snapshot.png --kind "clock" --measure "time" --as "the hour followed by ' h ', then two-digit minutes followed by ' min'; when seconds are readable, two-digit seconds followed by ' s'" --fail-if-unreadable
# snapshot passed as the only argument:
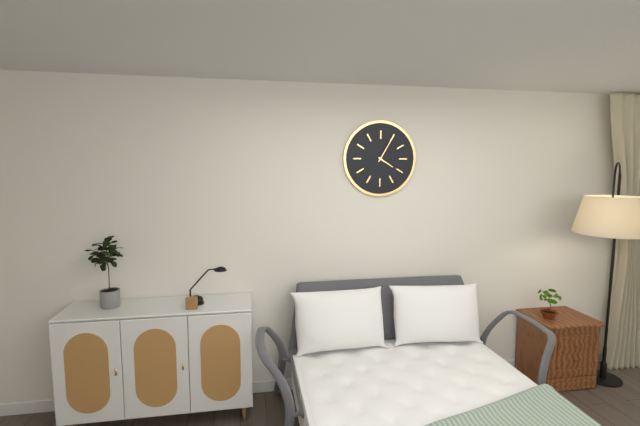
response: 4 h 05 min
